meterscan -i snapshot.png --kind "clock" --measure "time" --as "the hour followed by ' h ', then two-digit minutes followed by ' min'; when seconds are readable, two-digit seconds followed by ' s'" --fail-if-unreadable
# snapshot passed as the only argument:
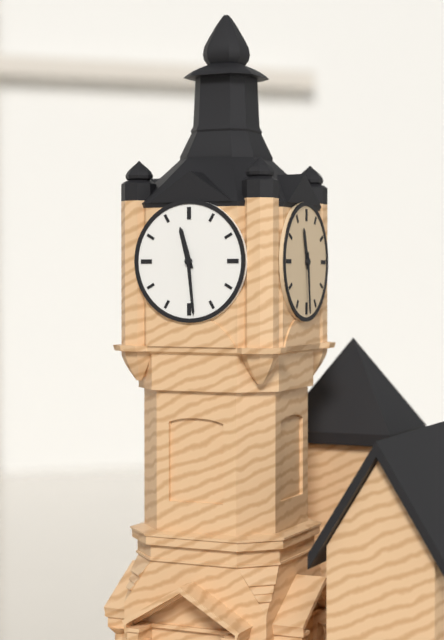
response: 11 h 29 min
